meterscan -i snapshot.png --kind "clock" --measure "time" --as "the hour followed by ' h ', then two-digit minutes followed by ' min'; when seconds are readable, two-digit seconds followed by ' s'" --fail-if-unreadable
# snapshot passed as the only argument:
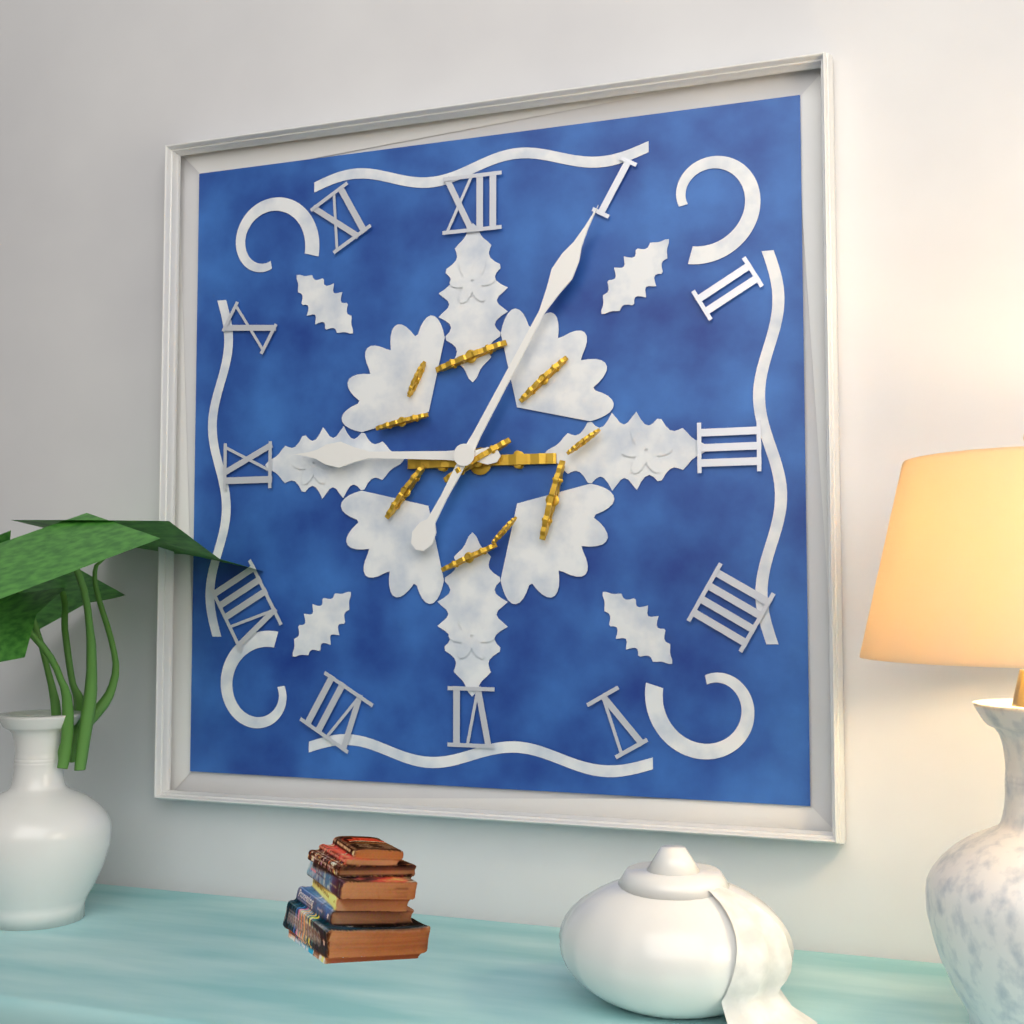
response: 9 h 05 min
